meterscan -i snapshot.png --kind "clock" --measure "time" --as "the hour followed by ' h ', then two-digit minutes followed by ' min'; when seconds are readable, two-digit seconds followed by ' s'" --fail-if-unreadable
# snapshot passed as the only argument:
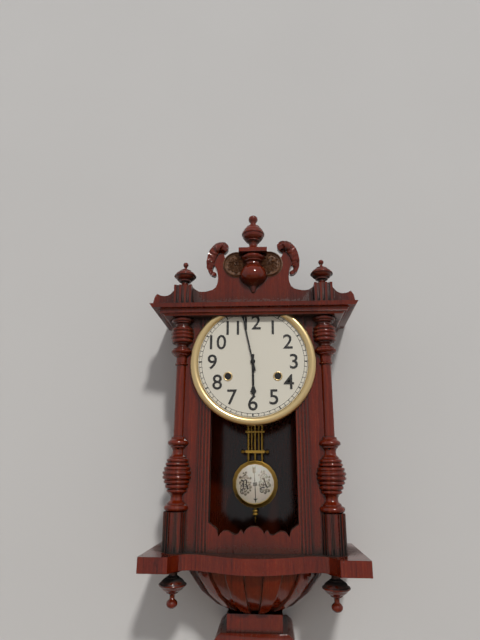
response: 5 h 58 min
